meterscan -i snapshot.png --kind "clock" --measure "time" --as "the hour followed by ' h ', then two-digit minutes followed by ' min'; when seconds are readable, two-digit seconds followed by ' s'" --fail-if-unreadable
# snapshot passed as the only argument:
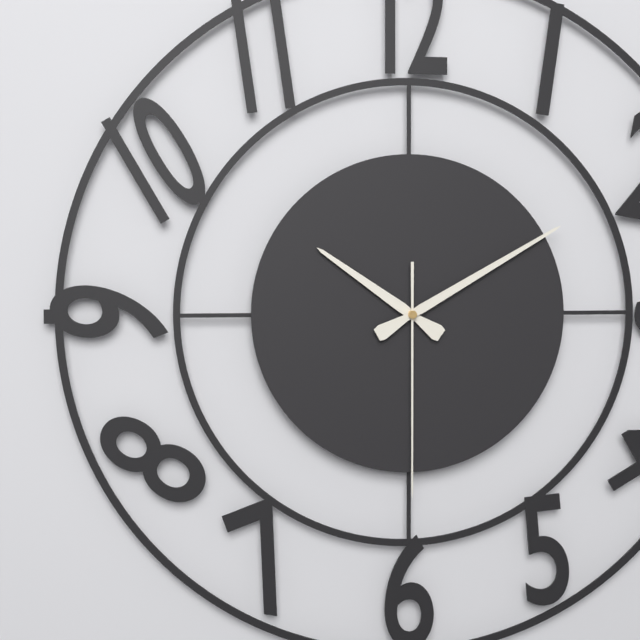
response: 10 h 10 min 30 s
